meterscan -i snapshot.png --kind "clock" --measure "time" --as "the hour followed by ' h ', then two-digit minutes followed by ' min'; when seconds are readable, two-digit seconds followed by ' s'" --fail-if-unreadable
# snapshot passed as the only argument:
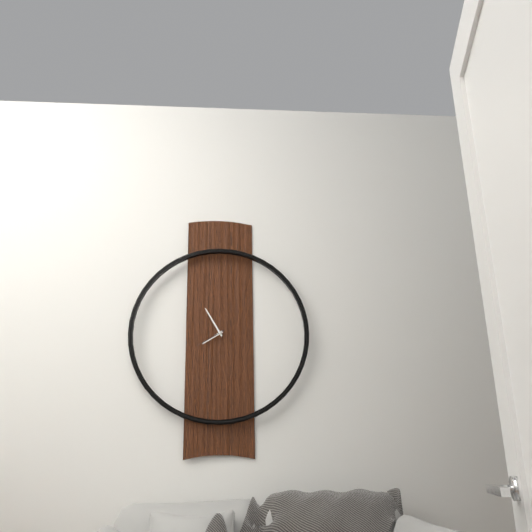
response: 7 h 55 min
